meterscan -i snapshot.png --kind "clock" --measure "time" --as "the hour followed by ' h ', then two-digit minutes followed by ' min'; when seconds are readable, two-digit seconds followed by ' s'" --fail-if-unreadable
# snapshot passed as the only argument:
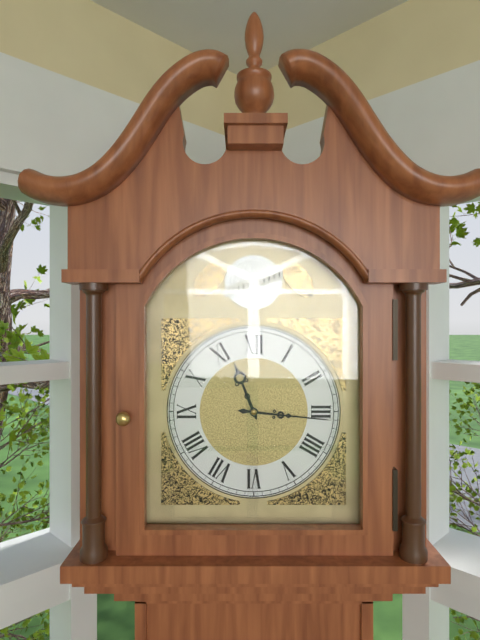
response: 11 h 16 min
